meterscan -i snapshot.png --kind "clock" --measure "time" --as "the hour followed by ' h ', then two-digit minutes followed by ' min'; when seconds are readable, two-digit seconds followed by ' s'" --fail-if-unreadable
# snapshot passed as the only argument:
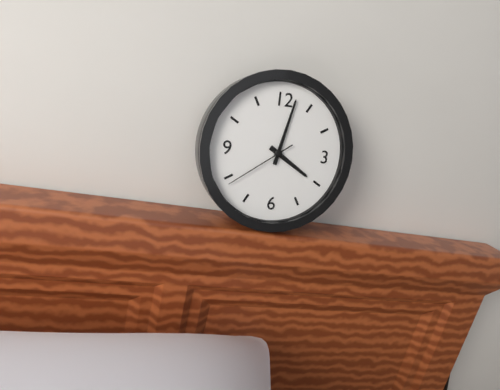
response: 4 h 02 min 39 s
